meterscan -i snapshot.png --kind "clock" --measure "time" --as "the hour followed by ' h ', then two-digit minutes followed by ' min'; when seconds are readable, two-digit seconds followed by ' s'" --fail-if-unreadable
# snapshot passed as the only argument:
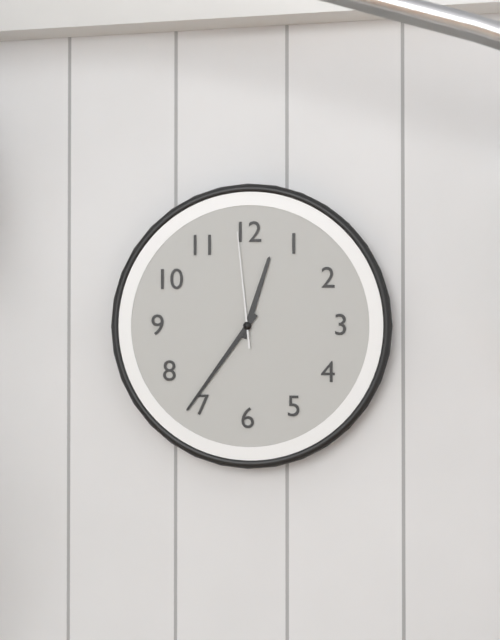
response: 12 h 36 min 59 s
